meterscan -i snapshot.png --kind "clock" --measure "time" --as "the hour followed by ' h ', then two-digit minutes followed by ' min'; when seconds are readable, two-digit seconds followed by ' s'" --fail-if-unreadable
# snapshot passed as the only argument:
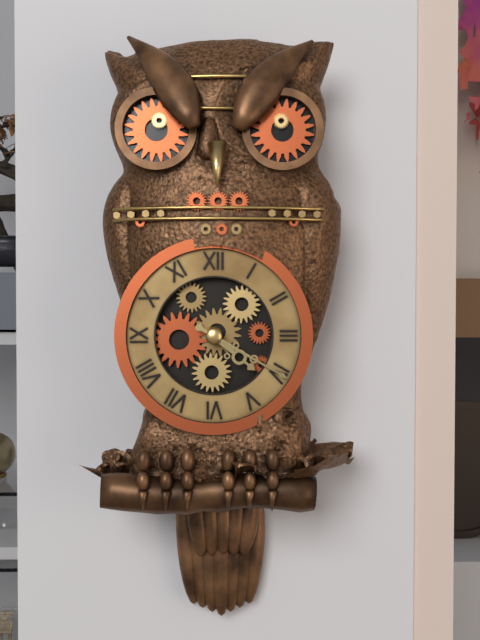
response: 4 h 20 min
